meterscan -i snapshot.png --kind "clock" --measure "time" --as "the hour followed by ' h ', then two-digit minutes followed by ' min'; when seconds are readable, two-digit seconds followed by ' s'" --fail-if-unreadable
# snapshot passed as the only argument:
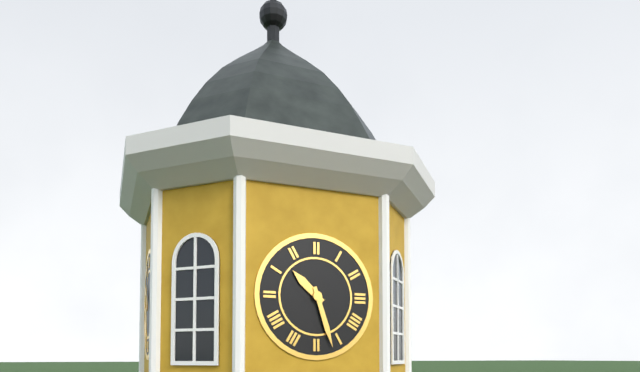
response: 10 h 27 min
